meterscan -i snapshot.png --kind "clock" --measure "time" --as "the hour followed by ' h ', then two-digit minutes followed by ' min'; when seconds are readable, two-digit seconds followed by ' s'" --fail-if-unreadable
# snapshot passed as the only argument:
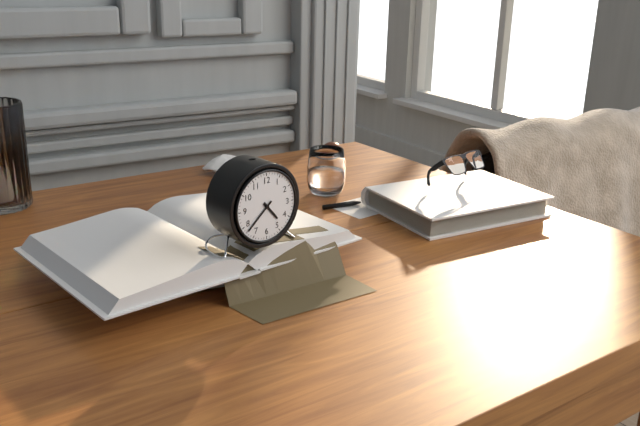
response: 4 h 38 min
